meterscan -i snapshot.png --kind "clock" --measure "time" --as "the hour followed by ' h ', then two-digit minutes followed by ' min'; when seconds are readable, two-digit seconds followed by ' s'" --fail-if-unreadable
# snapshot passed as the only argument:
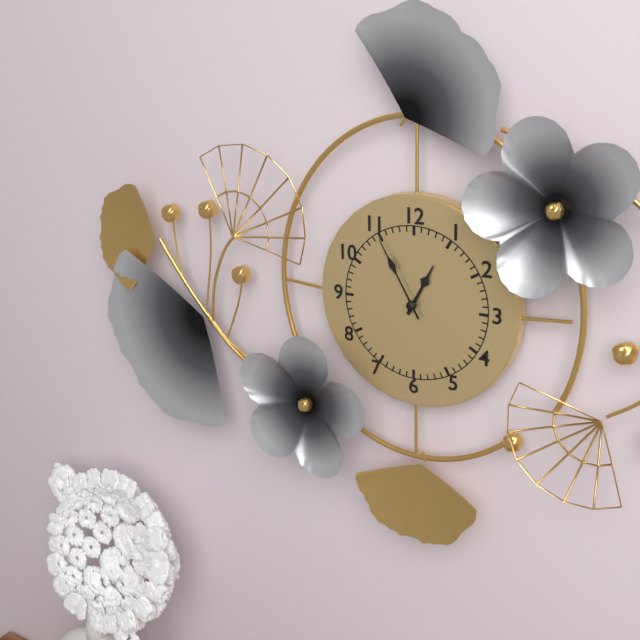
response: 12 h 55 min
